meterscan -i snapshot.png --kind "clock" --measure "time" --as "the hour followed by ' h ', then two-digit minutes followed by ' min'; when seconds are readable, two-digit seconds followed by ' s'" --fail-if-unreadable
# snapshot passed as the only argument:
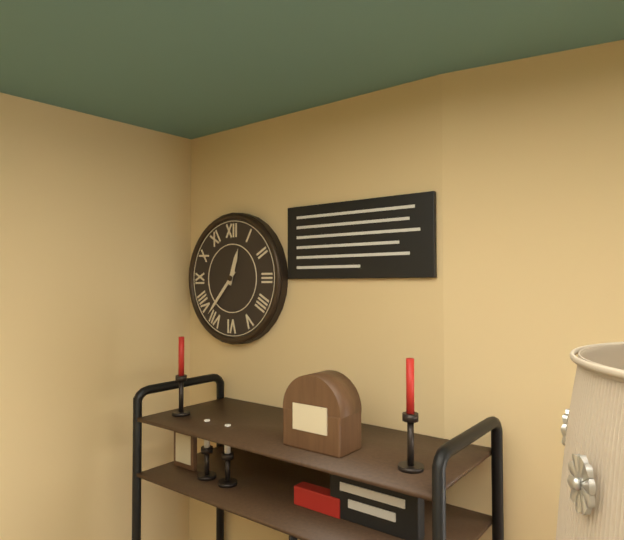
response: 12 h 37 min
